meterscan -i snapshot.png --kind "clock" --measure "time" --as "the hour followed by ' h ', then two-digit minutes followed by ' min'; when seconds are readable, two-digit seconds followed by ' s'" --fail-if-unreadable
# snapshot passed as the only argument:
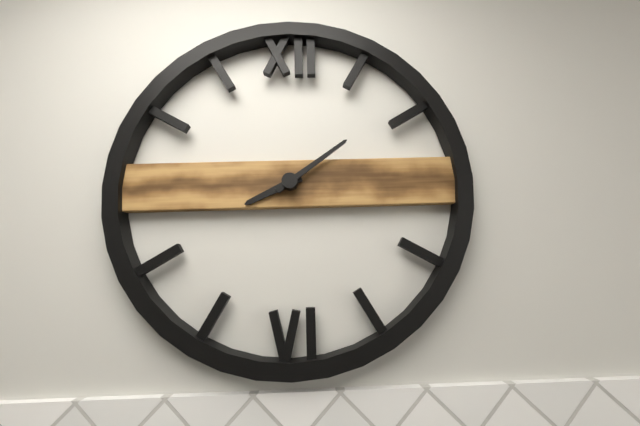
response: 8 h 09 min
